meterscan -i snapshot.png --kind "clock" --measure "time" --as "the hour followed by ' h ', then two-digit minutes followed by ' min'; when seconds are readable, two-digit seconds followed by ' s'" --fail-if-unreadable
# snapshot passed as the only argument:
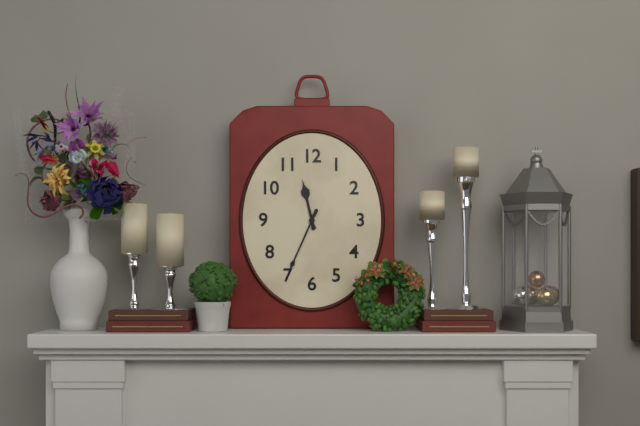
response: 11 h 34 min
